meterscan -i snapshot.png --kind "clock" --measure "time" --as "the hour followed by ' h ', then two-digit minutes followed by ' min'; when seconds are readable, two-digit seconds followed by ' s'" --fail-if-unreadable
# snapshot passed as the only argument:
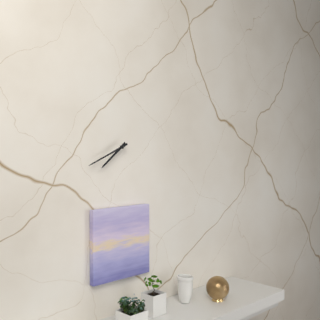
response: 7 h 41 min
